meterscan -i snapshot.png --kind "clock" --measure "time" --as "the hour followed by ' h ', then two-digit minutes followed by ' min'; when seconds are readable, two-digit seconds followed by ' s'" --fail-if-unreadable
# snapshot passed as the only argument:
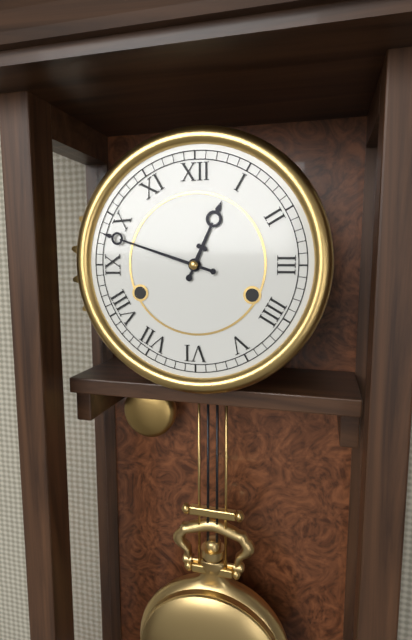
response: 12 h 48 min
